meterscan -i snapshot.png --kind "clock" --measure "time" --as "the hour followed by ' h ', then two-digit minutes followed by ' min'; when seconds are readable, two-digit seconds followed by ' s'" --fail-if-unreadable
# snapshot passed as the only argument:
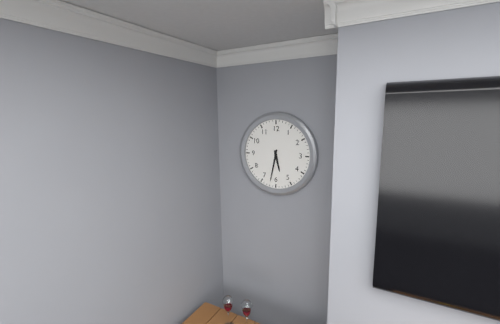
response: 5 h 32 min
